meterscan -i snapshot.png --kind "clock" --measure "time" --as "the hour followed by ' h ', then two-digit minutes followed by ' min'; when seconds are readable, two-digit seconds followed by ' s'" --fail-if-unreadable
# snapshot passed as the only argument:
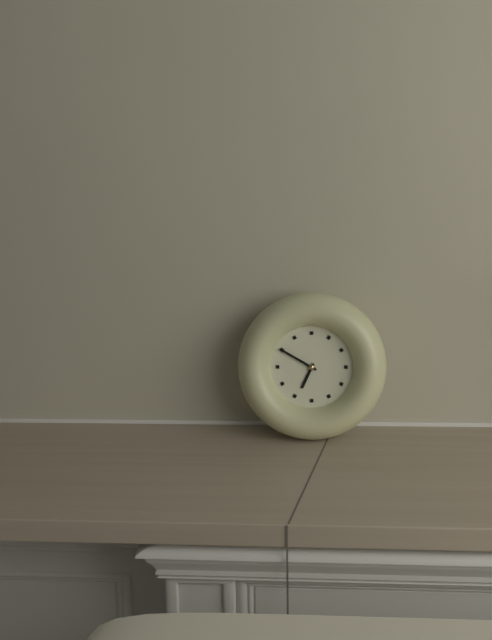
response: 6 h 50 min
